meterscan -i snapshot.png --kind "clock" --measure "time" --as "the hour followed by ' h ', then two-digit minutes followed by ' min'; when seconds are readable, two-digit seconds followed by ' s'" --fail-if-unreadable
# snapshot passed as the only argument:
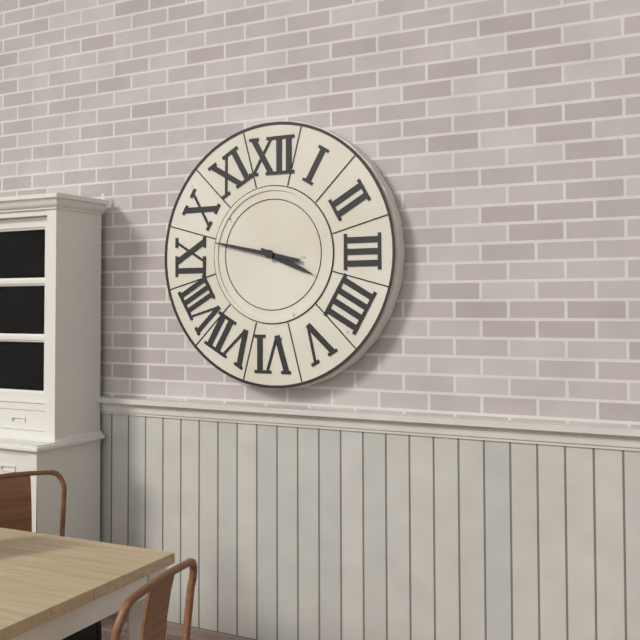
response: 3 h 47 min
